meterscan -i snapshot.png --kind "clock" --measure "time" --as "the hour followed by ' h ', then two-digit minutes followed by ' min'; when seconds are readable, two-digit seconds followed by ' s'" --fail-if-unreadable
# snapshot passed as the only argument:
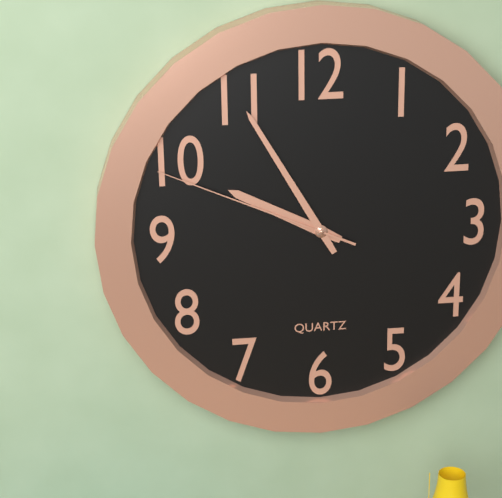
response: 9 h 55 min 49 s
